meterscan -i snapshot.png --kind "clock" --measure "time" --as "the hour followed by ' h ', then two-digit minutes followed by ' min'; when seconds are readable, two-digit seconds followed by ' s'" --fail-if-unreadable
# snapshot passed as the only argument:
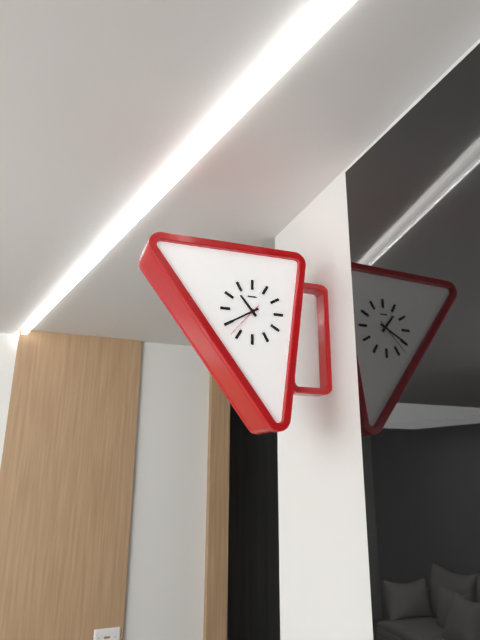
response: 10 h 40 min
